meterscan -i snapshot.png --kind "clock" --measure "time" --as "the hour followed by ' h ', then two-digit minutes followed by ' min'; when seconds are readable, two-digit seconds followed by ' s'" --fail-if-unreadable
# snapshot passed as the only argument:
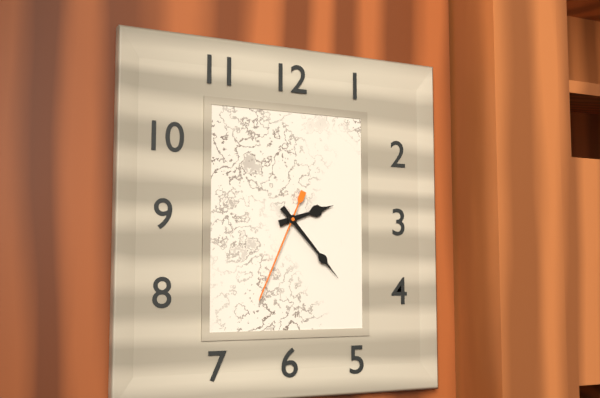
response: 2 h 23 min 34 s
